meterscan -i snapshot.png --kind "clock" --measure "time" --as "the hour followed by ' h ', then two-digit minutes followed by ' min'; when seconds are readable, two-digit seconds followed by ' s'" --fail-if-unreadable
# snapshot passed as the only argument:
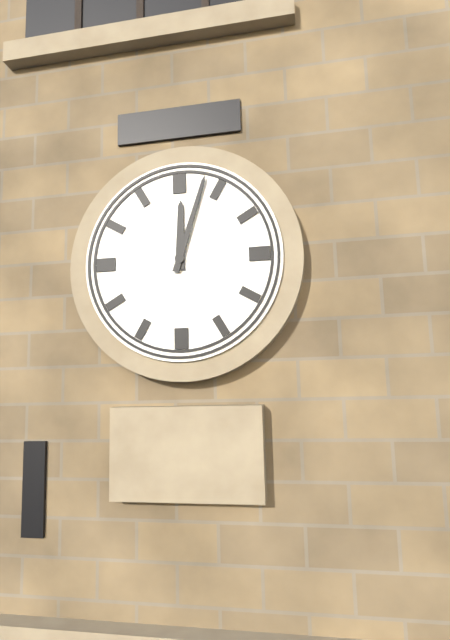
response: 12 h 03 min
